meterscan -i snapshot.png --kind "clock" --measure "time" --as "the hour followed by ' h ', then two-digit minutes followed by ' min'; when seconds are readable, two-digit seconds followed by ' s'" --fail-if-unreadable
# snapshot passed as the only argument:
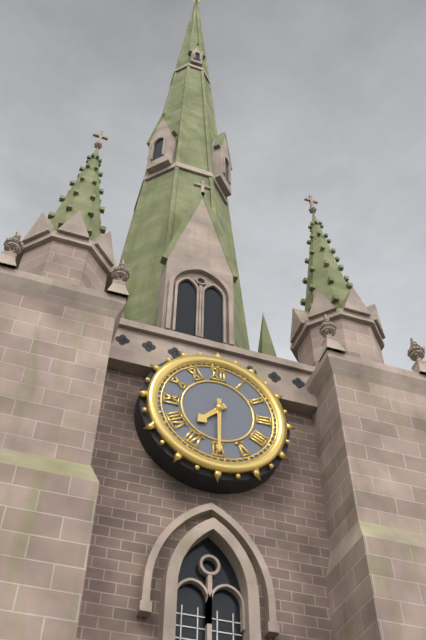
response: 7 h 30 min
